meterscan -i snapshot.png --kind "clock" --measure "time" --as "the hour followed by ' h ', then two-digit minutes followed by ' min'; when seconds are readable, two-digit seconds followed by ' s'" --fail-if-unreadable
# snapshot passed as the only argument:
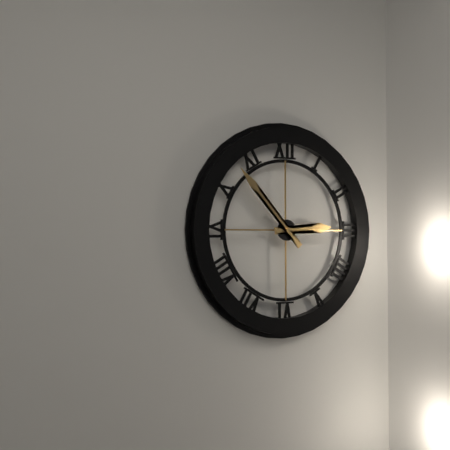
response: 2 h 53 min
